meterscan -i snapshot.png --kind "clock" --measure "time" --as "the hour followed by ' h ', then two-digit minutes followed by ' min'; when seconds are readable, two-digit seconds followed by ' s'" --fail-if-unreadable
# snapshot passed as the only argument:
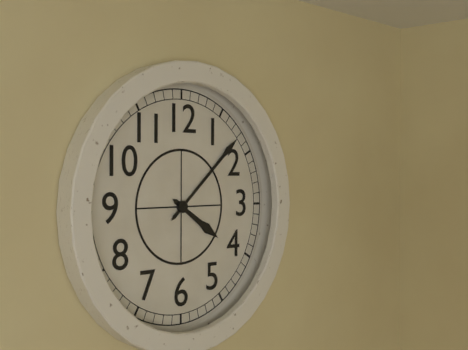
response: 4 h 08 min
